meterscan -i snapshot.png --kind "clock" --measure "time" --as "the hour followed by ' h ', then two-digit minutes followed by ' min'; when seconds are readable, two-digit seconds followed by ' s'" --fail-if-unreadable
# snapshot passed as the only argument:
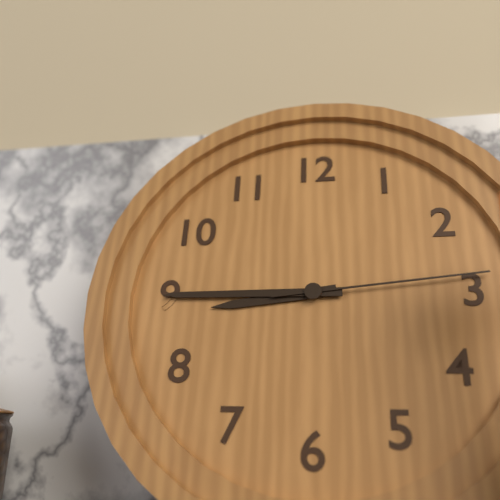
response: 8 h 45 min 14 s
